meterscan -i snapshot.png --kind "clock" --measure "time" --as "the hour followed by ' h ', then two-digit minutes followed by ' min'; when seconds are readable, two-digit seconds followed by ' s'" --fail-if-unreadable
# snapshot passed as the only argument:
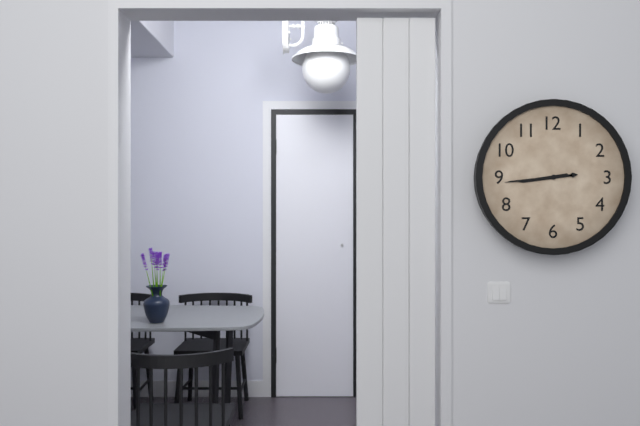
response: 8 h 44 min
